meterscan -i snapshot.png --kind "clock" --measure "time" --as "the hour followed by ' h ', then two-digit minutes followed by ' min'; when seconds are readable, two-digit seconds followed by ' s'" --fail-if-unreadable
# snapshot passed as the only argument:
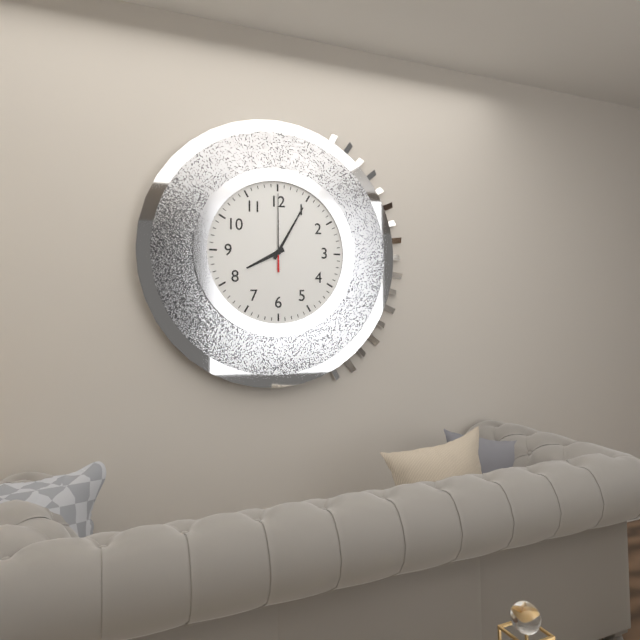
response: 8 h 05 min 00 s
